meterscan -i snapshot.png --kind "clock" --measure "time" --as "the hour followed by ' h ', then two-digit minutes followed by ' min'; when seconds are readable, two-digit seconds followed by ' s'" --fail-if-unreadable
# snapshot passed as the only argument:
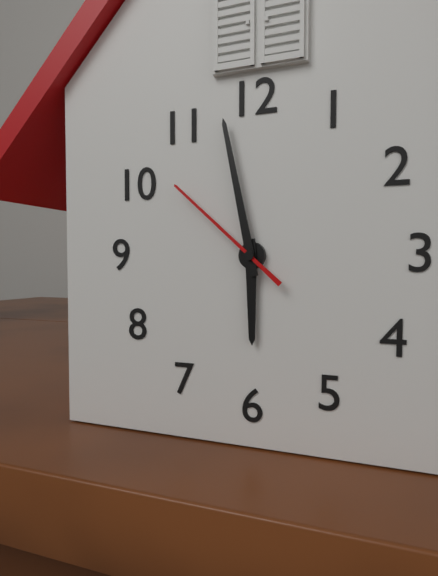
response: 5 h 58 min 52 s
